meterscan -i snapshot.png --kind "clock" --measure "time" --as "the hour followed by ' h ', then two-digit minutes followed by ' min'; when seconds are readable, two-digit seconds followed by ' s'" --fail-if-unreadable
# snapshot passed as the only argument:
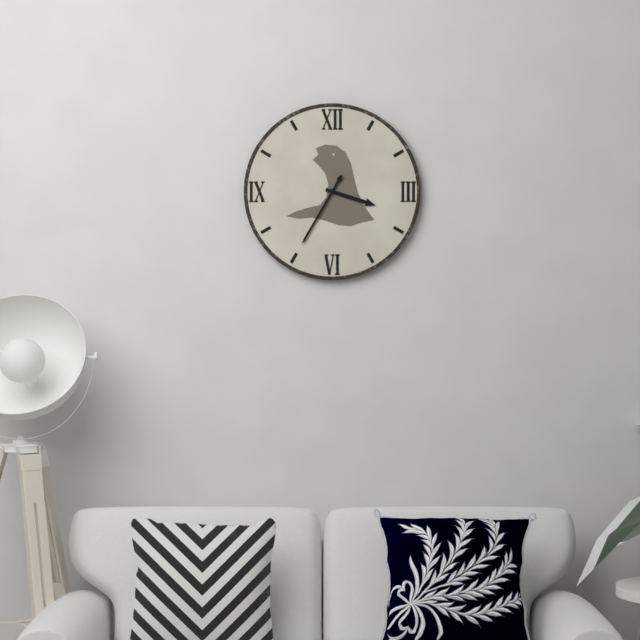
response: 3 h 35 min
